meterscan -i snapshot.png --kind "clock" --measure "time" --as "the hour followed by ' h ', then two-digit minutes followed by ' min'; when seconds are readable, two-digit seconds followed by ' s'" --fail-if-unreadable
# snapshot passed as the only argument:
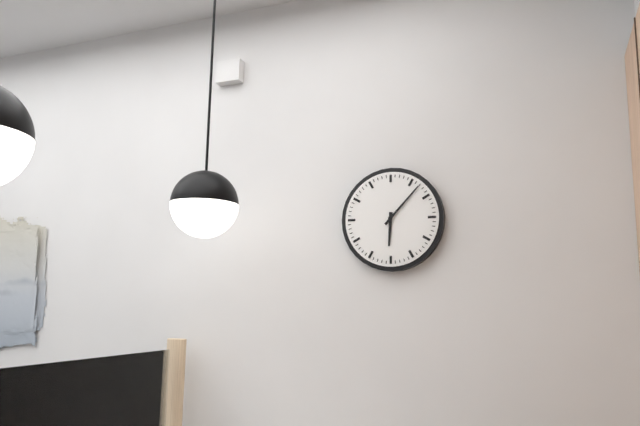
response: 6 h 07 min
